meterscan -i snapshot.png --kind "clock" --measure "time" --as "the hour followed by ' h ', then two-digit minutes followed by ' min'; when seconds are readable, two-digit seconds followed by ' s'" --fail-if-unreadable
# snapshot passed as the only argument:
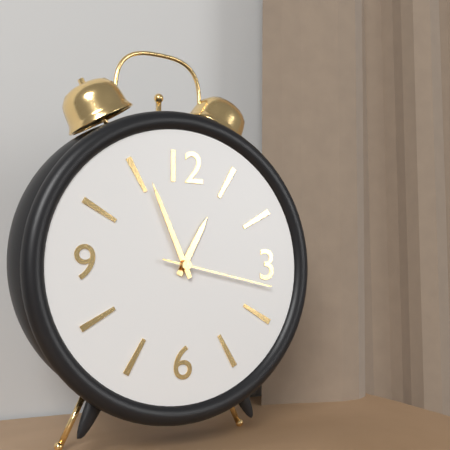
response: 12 h 56 min 17 s
